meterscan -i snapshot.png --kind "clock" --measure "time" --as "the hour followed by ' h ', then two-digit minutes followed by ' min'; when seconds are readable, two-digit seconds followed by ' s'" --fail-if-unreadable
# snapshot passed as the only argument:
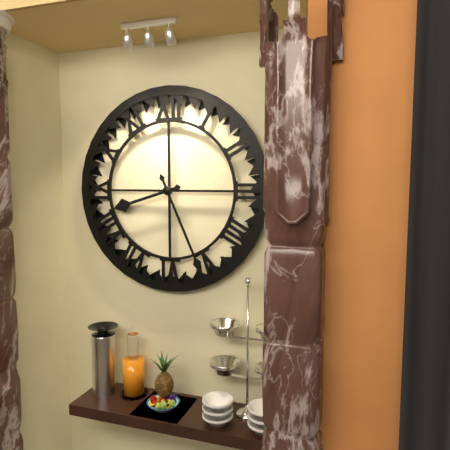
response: 8 h 26 min
